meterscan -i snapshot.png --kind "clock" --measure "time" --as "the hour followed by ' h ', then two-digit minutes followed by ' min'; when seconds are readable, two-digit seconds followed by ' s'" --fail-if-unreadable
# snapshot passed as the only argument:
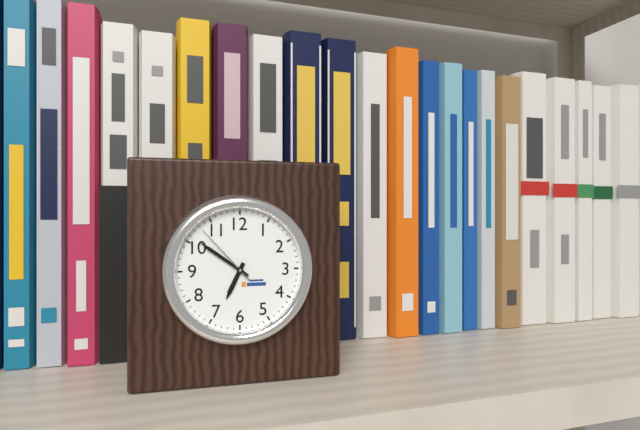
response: 6 h 51 min 53 s
